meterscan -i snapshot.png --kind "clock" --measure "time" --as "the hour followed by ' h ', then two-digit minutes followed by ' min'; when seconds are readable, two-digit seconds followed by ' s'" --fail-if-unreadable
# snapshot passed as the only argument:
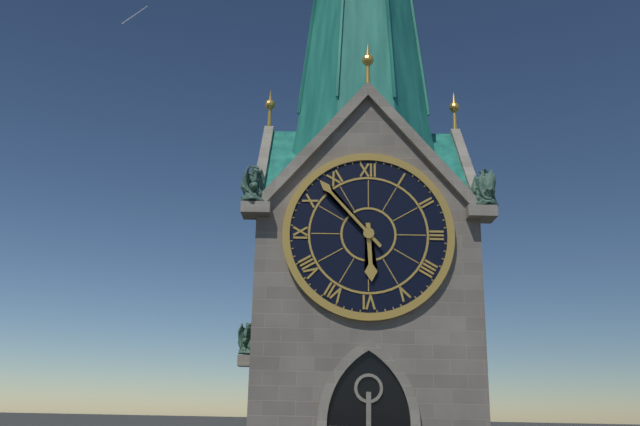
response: 5 h 53 min
